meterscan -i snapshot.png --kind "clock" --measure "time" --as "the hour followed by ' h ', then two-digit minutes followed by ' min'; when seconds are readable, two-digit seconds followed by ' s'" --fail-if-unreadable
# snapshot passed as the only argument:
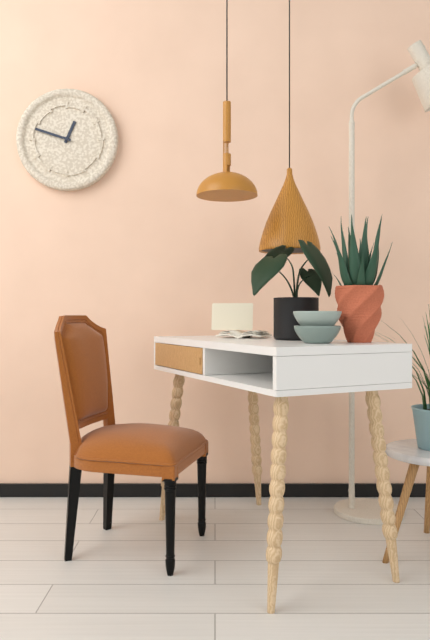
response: 12 h 48 min
